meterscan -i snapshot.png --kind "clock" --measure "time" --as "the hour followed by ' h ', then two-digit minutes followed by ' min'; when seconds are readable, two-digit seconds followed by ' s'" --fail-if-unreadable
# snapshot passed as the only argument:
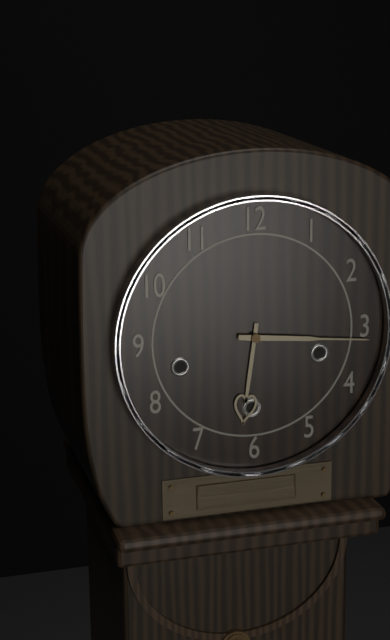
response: 6 h 16 min
